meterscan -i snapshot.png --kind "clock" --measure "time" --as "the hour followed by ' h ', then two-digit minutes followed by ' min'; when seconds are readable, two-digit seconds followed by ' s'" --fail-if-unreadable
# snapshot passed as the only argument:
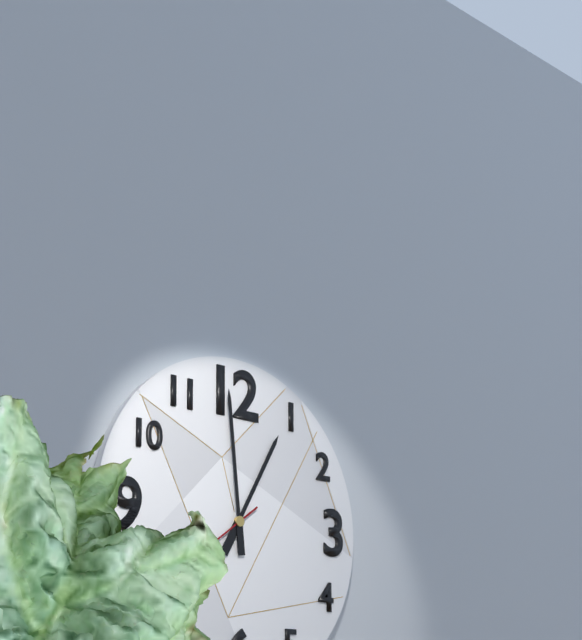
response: 12 h 59 min
